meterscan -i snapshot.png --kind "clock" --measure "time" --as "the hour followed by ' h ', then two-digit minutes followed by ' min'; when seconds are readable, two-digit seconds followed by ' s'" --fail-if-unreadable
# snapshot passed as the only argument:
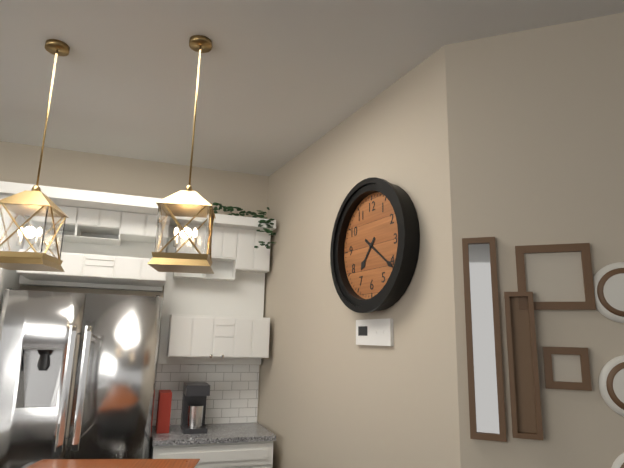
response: 7 h 21 min
